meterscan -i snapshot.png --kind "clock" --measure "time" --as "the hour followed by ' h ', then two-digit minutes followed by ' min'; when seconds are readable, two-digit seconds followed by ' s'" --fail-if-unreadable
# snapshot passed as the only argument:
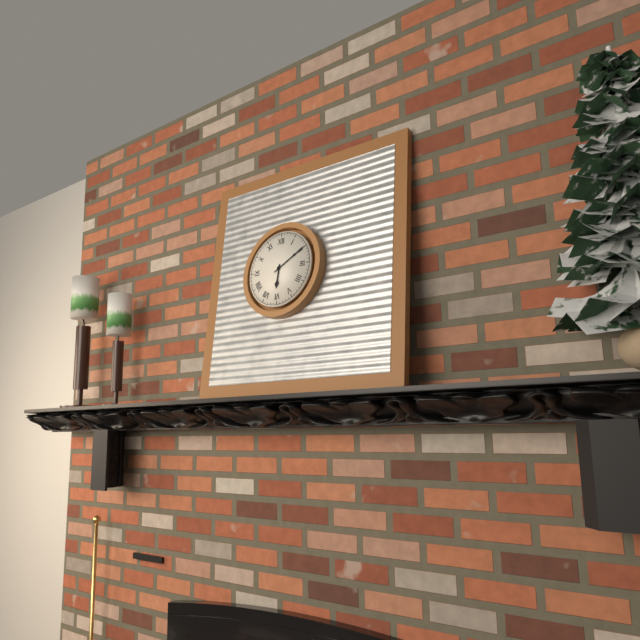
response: 6 h 10 min
